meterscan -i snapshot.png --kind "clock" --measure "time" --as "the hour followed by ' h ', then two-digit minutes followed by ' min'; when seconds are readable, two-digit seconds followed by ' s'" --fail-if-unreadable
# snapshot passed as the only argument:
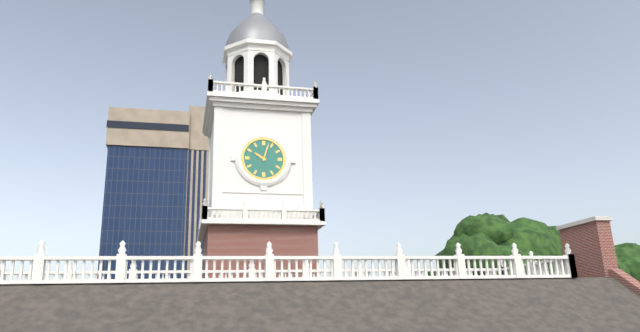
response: 10 h 03 min
